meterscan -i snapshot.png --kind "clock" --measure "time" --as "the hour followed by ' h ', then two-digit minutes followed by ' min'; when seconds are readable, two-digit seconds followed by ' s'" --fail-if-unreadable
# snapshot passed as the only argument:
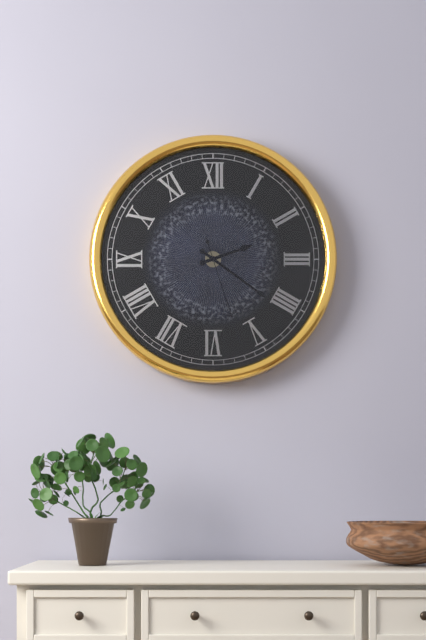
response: 2 h 21 min 27 s
